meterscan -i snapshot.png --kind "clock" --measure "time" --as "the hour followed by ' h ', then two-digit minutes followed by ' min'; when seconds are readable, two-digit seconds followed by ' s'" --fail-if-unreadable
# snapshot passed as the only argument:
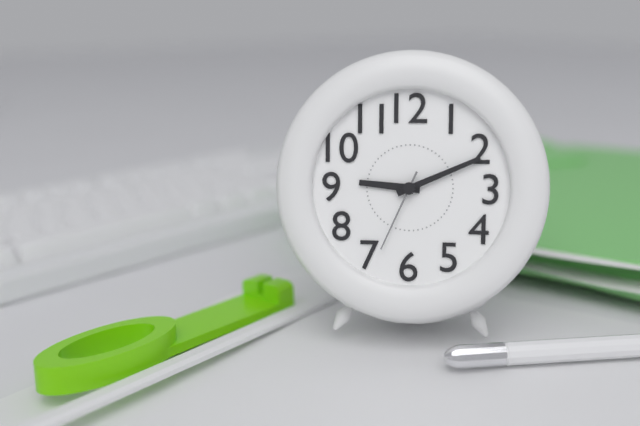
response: 9 h 11 min 34 s
